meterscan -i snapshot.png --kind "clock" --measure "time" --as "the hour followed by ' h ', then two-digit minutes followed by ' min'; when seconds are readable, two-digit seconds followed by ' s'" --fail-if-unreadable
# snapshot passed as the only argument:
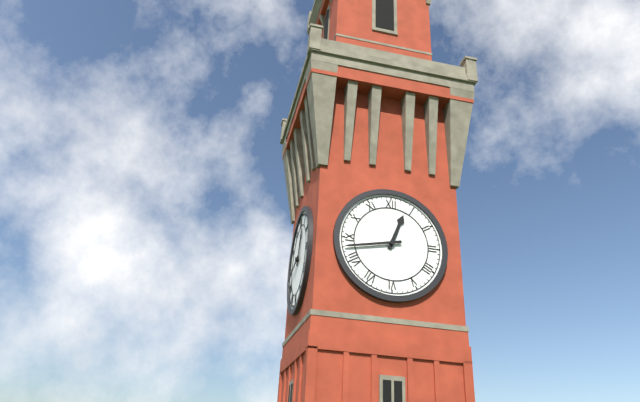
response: 12 h 43 min
